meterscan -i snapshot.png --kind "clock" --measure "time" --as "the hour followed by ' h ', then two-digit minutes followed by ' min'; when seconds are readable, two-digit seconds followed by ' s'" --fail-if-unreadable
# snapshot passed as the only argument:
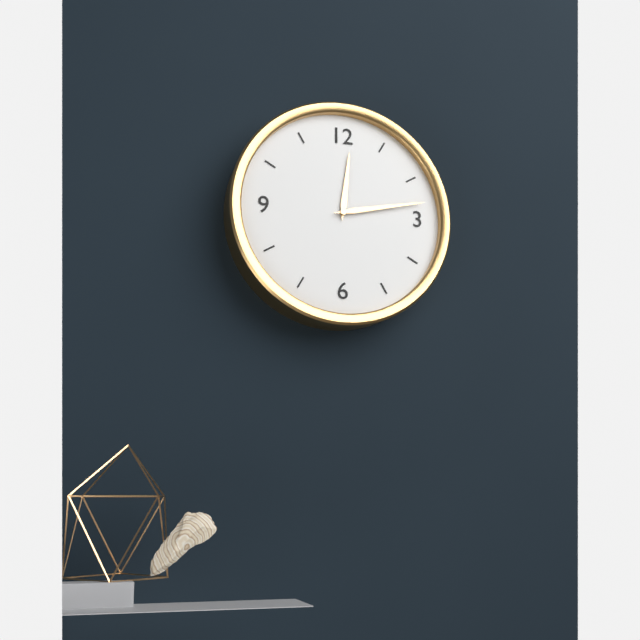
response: 12 h 13 min
